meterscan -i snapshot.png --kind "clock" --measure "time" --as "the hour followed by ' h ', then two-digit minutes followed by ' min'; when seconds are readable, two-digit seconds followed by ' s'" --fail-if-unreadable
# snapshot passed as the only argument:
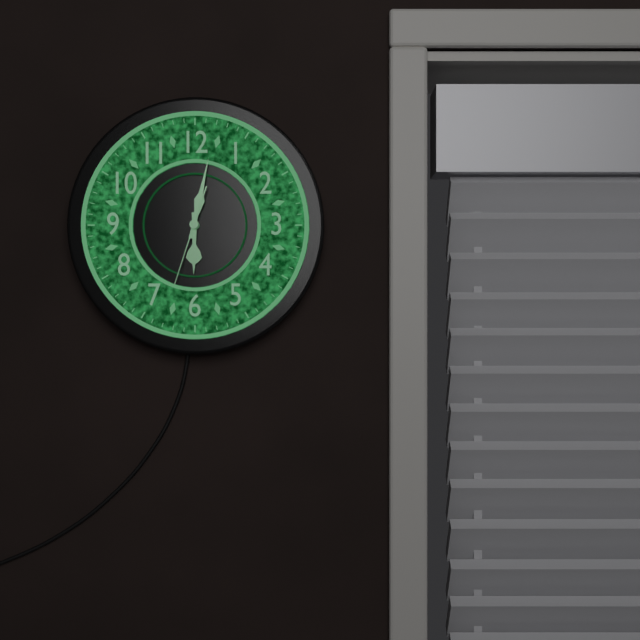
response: 6 h 02 min 33 s
